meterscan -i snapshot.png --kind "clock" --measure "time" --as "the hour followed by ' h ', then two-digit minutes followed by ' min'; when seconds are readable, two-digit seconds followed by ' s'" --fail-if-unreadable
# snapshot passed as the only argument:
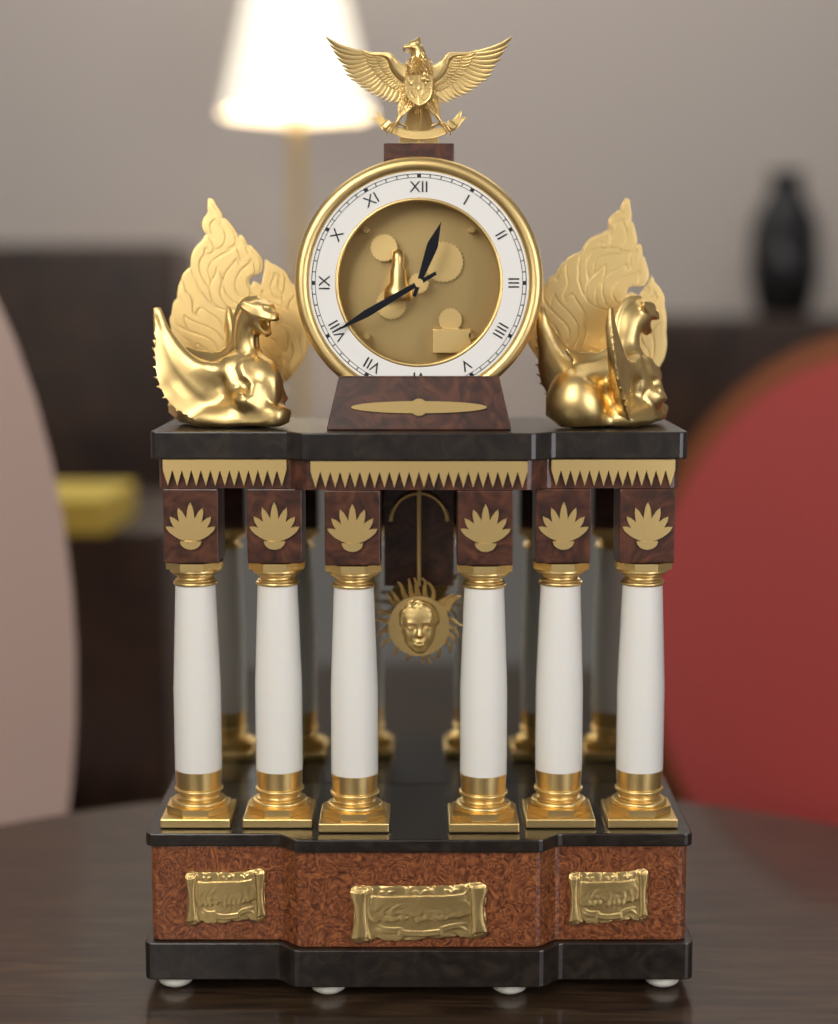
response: 12 h 40 min
